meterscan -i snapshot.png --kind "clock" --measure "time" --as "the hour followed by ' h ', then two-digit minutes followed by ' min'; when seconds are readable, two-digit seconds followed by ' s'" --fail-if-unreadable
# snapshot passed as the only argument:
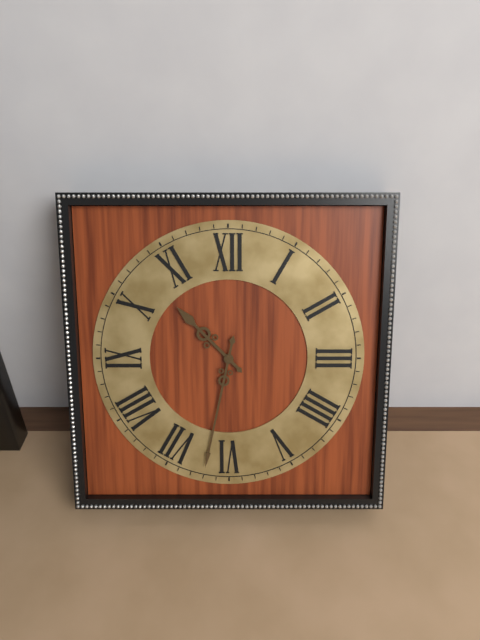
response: 10 h 32 min
